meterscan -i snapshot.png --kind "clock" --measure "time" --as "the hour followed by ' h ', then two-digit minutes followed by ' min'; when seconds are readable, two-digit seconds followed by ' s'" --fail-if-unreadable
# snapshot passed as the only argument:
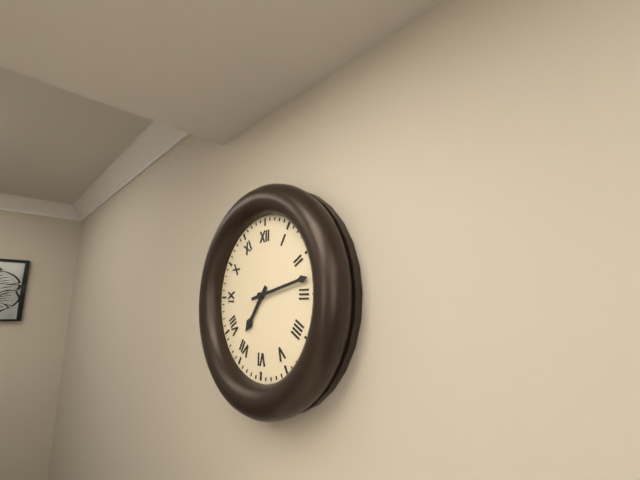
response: 7 h 13 min
